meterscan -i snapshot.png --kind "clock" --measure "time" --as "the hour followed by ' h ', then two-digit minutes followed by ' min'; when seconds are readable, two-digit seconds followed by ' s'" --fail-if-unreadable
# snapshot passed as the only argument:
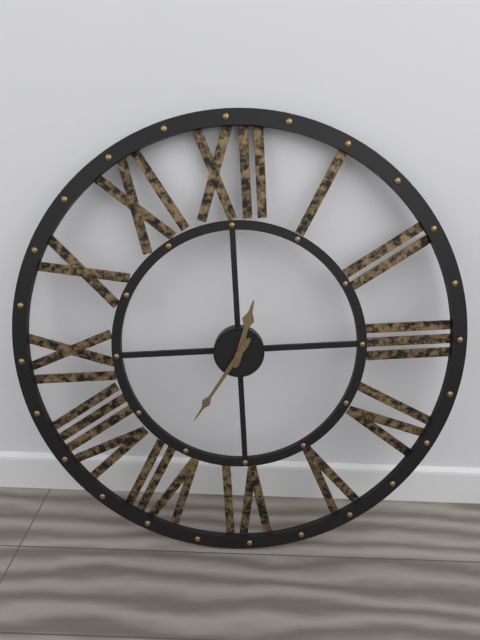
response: 12 h 36 min
